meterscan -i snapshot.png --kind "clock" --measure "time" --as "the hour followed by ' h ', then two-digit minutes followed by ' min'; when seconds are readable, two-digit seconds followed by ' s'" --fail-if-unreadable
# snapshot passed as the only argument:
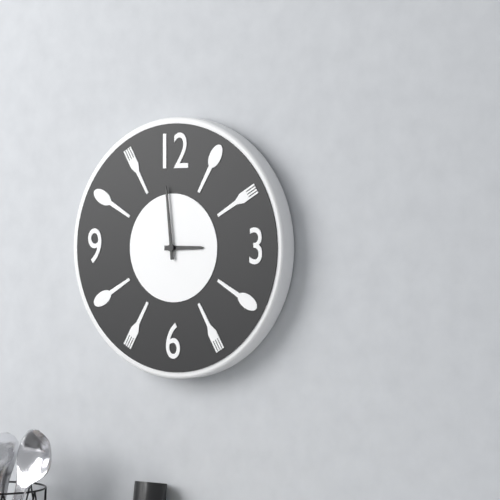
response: 2 h 59 min
